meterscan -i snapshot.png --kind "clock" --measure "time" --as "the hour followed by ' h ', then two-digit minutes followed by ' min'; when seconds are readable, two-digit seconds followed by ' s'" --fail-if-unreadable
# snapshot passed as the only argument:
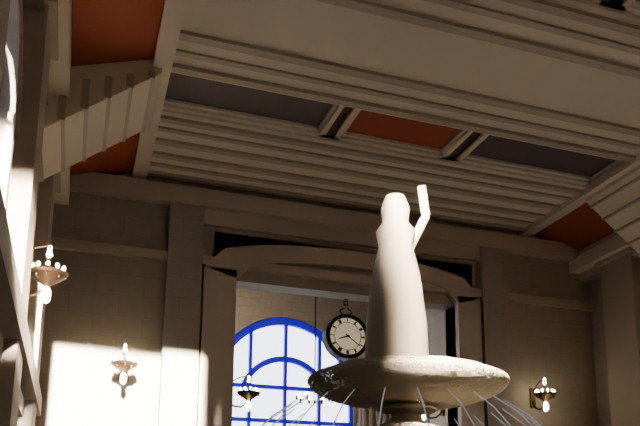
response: 8 h 21 min
